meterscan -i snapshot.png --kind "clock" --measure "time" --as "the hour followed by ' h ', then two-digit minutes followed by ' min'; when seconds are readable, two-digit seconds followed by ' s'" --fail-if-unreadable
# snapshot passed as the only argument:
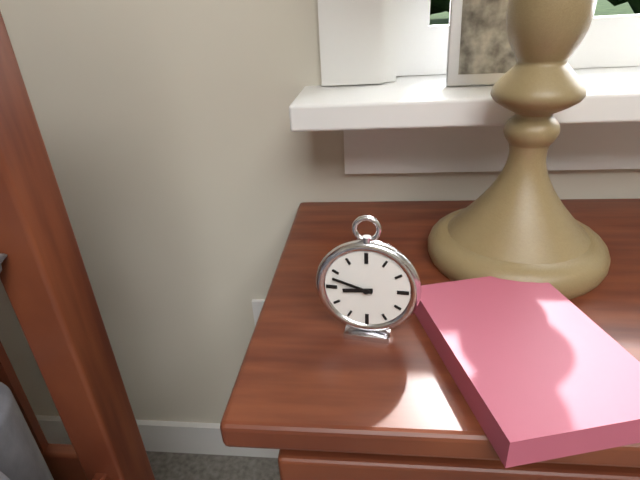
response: 8 h 48 min
